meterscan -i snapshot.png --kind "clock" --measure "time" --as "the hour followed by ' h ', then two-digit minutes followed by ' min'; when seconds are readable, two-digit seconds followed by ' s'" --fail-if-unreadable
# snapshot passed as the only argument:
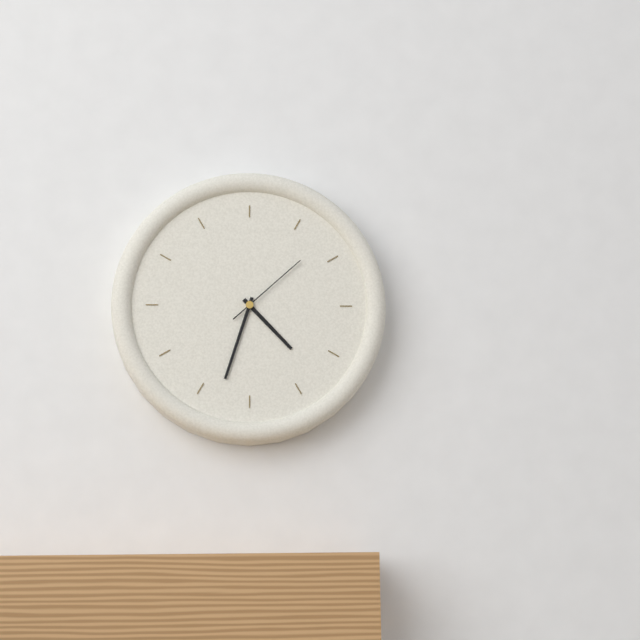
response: 4 h 33 min 08 s
